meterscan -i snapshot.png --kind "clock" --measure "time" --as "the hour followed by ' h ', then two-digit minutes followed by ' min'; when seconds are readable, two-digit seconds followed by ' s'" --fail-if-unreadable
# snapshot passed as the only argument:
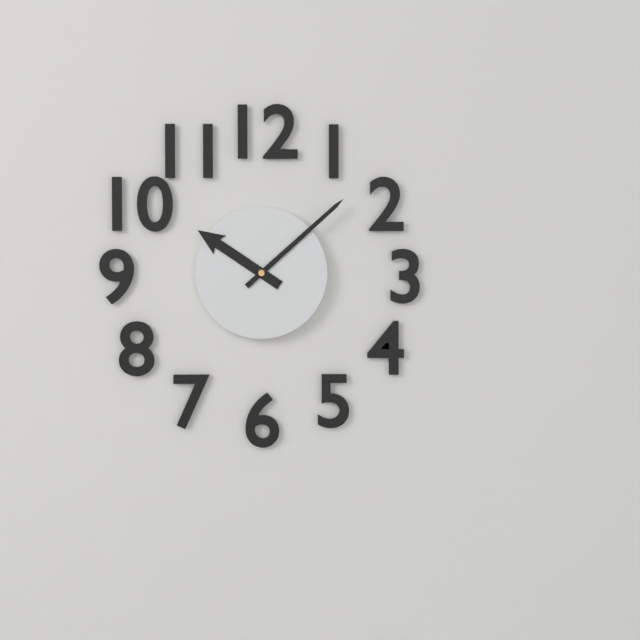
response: 10 h 08 min
